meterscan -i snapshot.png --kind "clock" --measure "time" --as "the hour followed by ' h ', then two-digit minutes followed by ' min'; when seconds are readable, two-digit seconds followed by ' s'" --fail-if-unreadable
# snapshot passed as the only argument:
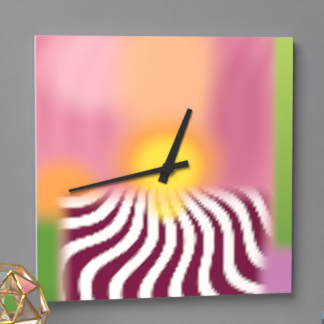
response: 12 h 43 min
